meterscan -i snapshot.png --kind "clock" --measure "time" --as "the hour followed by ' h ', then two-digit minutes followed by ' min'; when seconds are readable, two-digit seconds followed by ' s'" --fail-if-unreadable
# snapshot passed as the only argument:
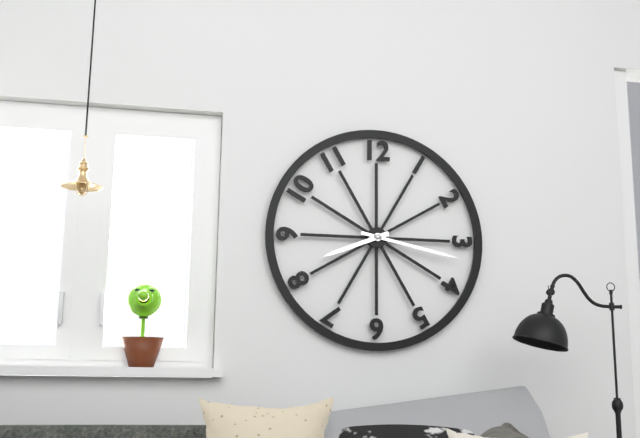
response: 8 h 17 min
